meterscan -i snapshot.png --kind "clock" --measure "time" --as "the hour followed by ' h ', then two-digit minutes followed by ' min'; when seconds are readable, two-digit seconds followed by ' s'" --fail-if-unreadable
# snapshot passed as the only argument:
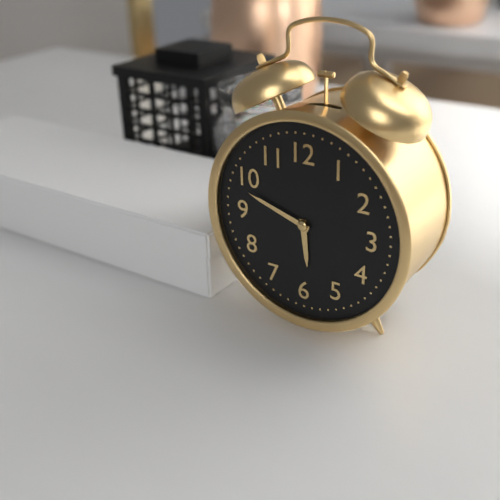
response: 5 h 48 min
